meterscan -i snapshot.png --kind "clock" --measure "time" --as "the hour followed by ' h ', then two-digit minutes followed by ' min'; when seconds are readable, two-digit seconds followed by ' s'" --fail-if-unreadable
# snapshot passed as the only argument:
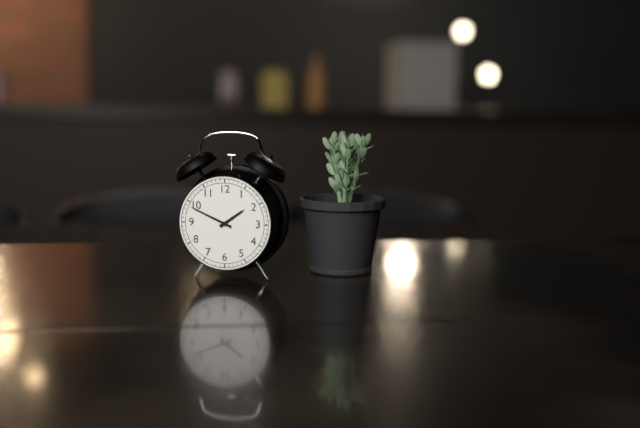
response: 1 h 49 min
